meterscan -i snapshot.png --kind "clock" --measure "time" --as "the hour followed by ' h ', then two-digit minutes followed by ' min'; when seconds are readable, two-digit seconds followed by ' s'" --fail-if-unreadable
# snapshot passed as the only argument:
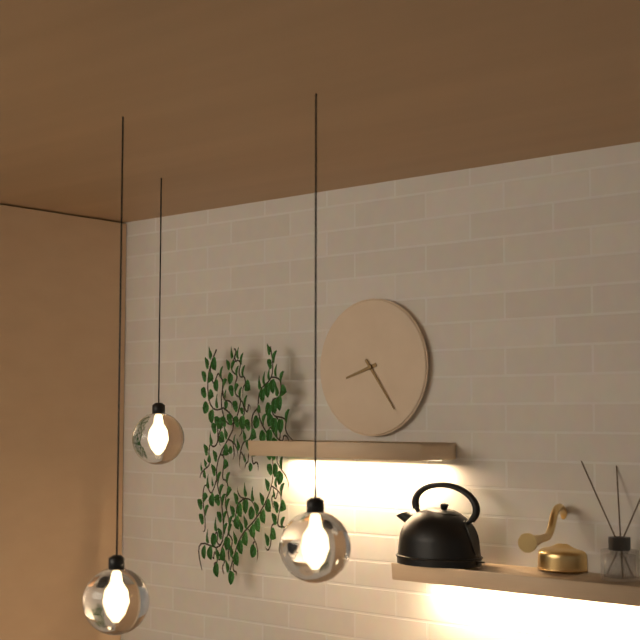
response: 8 h 24 min
